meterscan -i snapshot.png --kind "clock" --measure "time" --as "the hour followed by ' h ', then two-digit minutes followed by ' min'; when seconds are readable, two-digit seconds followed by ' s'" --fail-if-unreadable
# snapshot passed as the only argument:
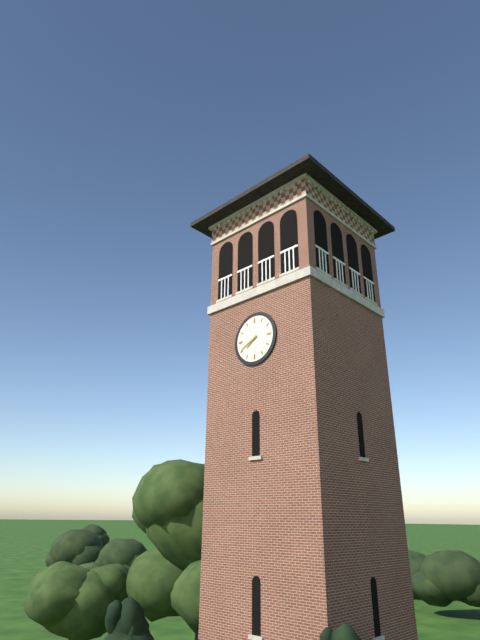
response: 7 h 41 min
